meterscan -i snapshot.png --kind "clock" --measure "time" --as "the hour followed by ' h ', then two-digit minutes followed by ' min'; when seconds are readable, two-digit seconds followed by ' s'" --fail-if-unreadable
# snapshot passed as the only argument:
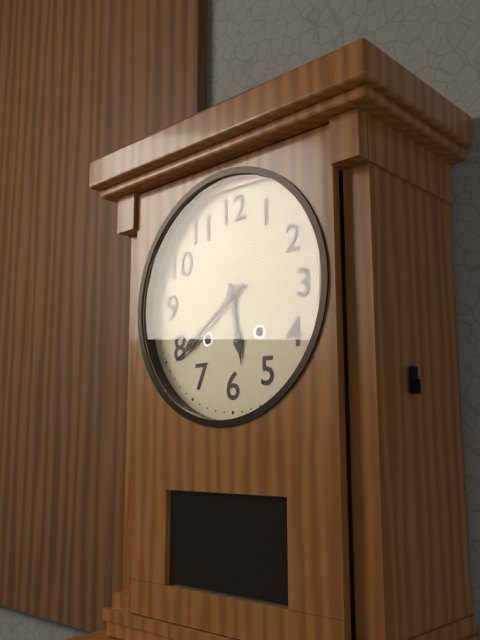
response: 5 h 39 min
